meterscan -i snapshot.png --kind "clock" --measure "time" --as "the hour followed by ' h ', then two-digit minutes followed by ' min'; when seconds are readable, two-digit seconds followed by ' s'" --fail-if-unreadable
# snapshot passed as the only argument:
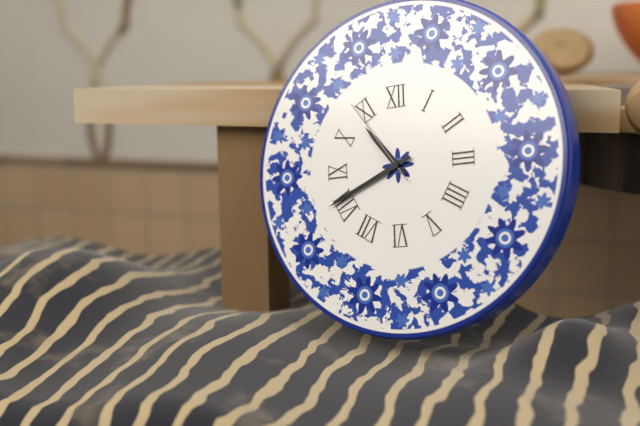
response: 10 h 41 min 54 s
